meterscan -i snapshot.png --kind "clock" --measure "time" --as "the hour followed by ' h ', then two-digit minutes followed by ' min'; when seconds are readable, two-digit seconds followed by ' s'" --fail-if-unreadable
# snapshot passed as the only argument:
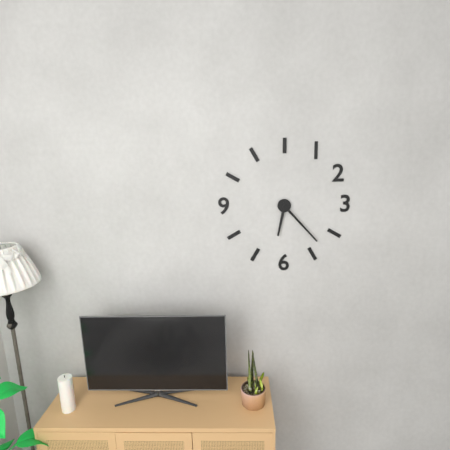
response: 6 h 23 min
